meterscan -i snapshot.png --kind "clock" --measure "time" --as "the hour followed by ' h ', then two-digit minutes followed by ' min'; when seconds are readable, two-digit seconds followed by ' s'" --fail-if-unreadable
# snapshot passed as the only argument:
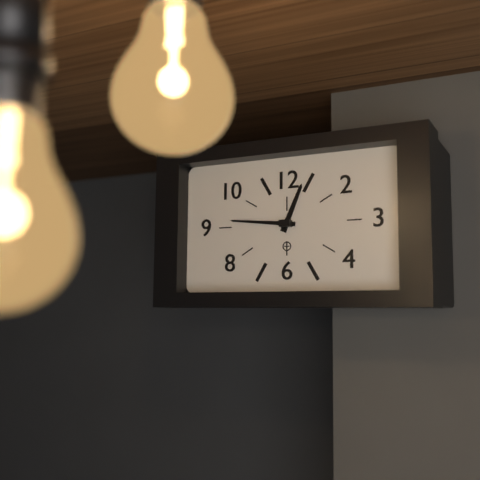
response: 12 h 46 min
